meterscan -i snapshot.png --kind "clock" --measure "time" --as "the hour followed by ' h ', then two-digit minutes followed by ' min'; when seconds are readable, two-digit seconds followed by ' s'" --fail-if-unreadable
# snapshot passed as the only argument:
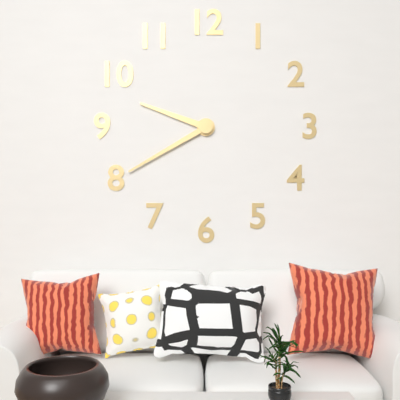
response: 9 h 40 min
